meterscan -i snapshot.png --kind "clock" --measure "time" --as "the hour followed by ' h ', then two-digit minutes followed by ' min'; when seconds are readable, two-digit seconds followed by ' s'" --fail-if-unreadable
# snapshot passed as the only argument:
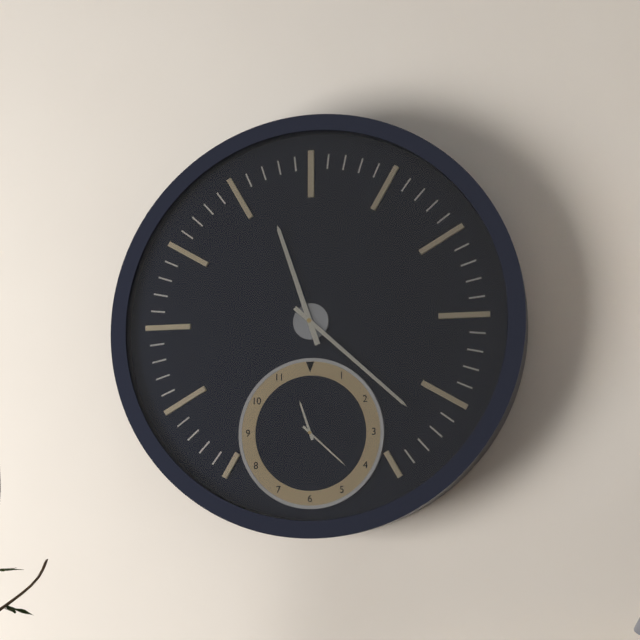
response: 11 h 22 min
